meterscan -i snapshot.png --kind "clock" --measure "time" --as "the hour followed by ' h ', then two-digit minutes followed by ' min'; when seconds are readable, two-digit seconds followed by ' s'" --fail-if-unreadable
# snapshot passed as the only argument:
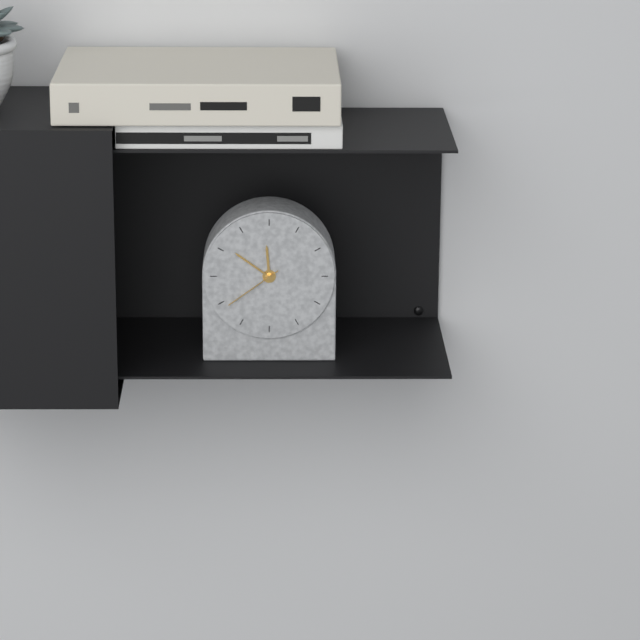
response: 11 h 51 min 39 s
